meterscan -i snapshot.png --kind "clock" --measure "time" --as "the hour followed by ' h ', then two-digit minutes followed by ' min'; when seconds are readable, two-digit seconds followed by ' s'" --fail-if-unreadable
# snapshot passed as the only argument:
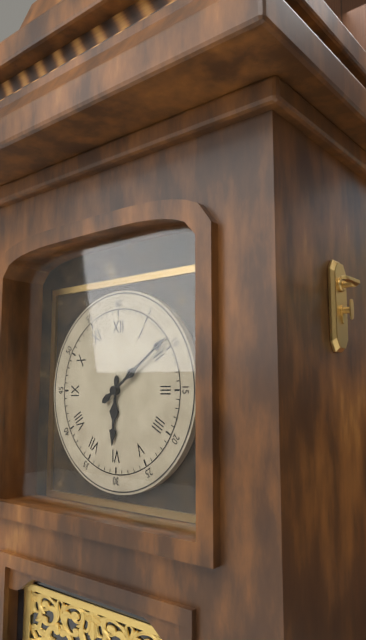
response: 6 h 09 min
